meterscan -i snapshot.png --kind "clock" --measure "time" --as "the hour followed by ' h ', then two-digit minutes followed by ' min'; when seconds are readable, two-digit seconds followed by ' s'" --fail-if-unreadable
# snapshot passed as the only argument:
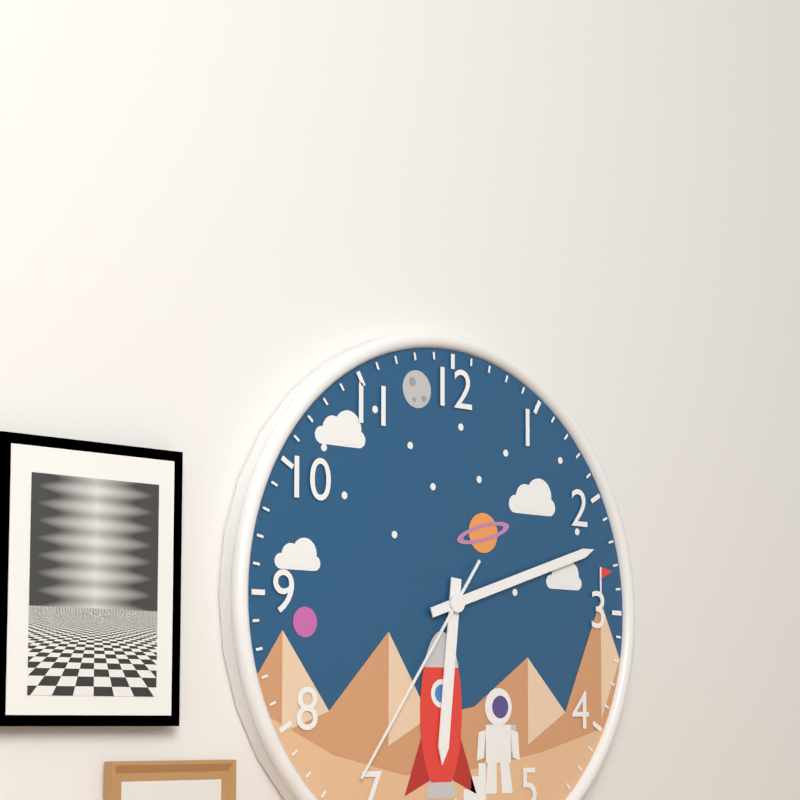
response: 6 h 12 min 36 s
